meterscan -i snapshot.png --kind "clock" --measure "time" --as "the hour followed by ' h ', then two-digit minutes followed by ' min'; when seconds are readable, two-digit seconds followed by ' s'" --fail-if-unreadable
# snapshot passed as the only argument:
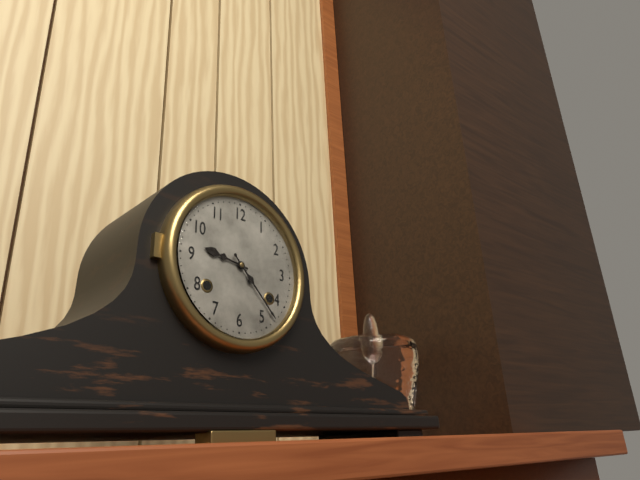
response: 9 h 23 min
